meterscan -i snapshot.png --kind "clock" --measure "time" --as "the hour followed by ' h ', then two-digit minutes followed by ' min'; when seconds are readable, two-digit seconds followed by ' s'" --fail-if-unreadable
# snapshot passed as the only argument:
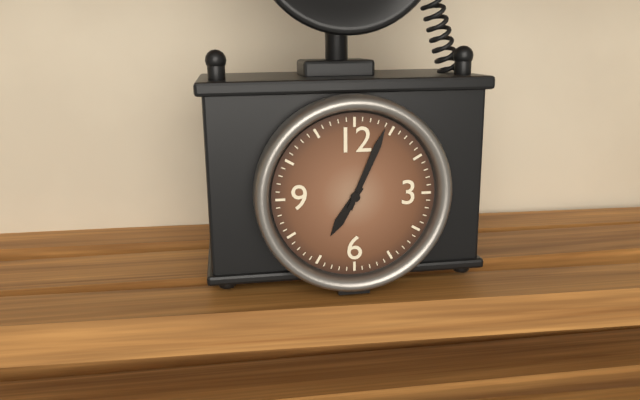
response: 7 h 04 min
